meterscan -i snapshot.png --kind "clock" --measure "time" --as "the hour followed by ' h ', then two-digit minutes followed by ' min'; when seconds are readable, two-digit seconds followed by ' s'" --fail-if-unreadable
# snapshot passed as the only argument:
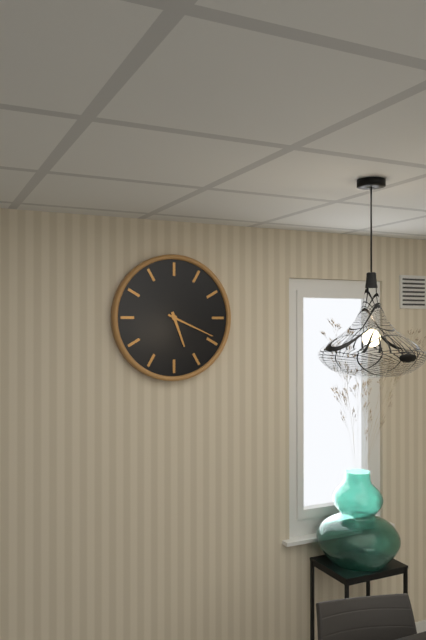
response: 5 h 19 min
